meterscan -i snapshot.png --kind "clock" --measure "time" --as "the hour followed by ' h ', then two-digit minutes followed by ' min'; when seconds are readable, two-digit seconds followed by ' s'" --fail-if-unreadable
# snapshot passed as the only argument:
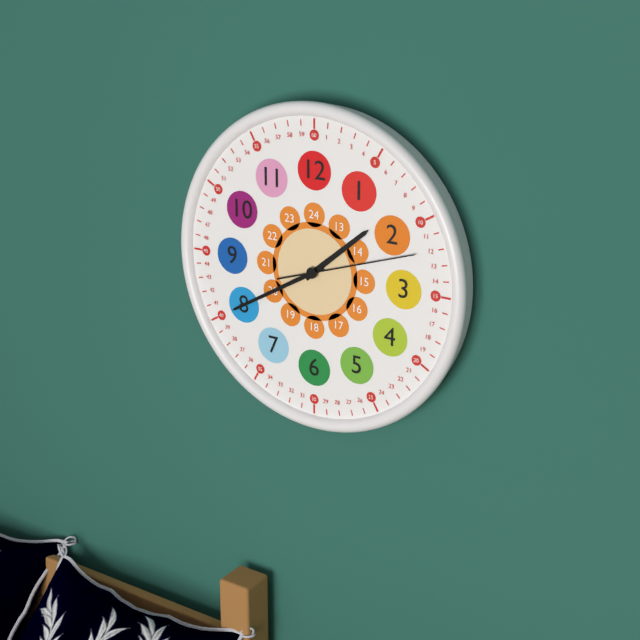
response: 1 h 40 min 12 s
